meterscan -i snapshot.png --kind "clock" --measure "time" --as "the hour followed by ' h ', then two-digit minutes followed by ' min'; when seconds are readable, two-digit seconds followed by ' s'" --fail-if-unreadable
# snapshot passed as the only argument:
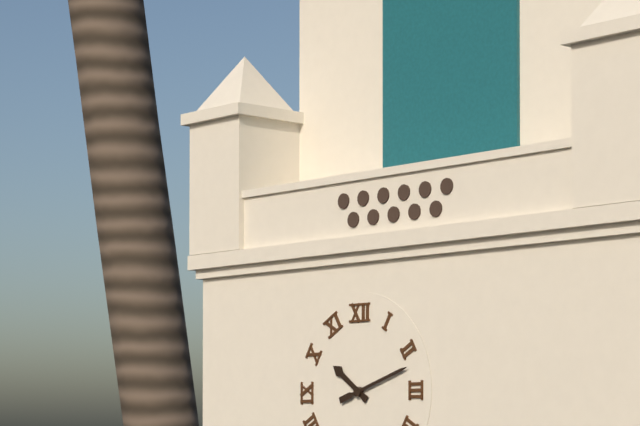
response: 10 h 12 min
